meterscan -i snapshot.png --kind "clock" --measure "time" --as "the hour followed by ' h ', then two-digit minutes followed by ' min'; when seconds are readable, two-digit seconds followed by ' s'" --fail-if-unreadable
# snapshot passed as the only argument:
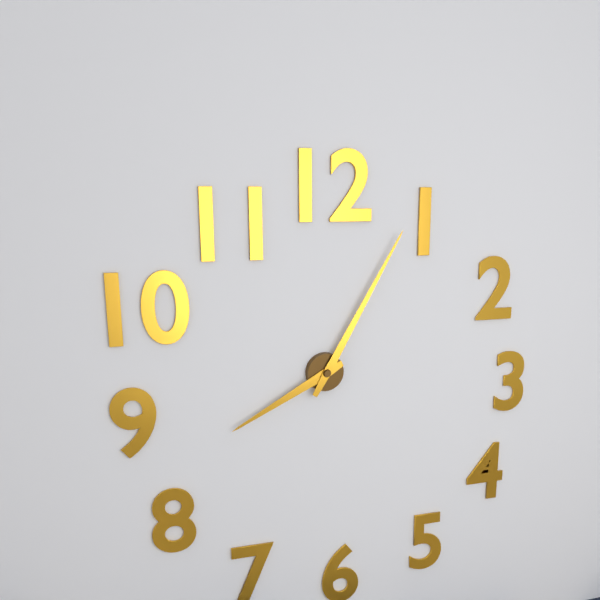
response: 8 h 05 min
